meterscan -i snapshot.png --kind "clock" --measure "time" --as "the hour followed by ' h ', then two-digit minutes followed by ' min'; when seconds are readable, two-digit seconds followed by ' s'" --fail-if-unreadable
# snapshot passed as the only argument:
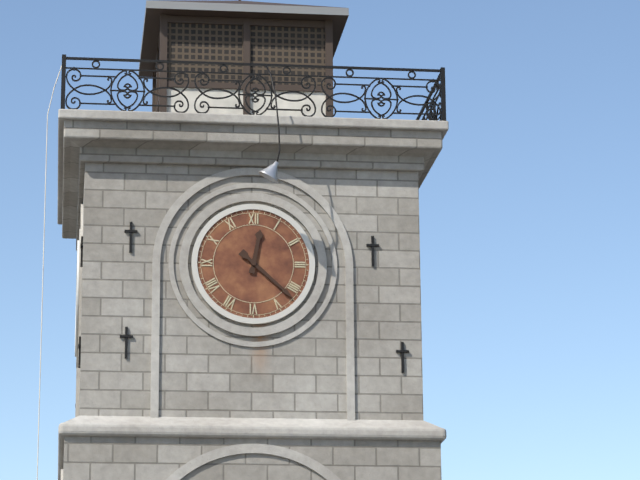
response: 12 h 22 min
